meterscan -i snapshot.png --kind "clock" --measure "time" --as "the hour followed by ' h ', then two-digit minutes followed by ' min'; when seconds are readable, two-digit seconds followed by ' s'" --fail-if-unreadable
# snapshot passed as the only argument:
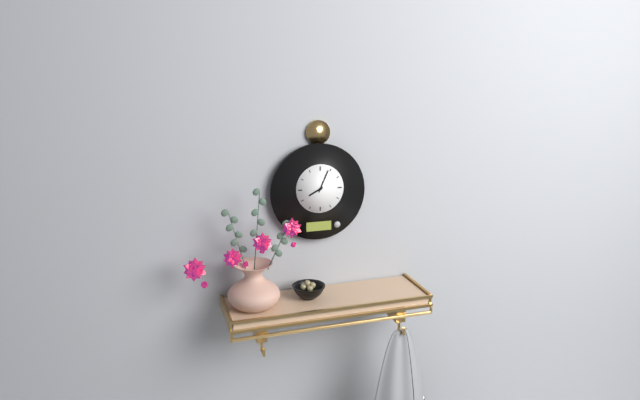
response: 8 h 04 min
